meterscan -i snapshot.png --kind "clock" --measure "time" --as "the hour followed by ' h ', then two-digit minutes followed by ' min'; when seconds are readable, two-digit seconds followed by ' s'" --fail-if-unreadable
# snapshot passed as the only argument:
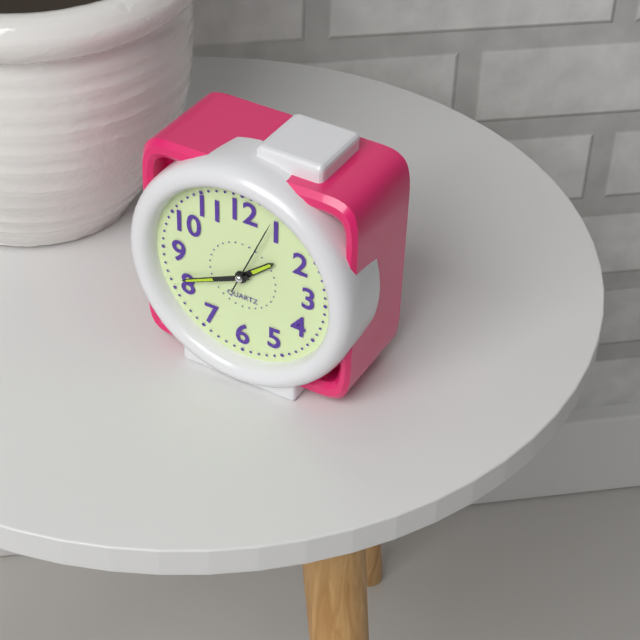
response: 1 h 41 min 04 s
